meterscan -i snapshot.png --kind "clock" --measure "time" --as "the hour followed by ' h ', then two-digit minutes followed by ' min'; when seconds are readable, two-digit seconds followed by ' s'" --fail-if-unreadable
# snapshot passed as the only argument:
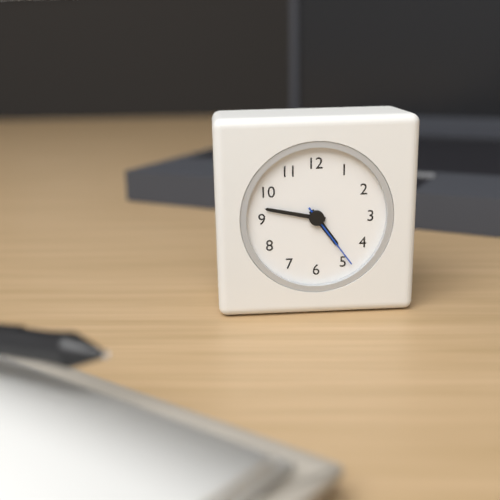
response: 4 h 47 min 24 s
